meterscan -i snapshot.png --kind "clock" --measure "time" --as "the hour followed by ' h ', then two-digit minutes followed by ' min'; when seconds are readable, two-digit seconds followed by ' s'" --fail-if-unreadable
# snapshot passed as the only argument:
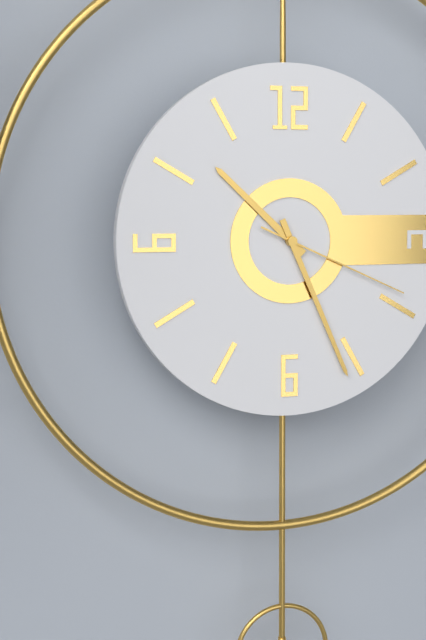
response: 10 h 26 min 19 s
